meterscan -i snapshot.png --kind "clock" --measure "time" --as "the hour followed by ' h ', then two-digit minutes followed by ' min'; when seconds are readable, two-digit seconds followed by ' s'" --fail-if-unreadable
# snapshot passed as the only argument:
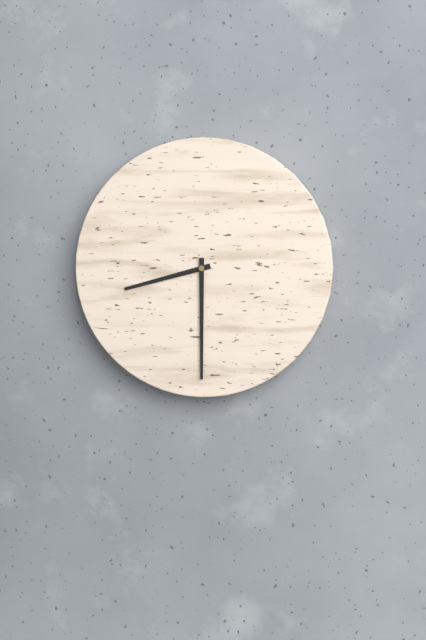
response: 8 h 30 min
